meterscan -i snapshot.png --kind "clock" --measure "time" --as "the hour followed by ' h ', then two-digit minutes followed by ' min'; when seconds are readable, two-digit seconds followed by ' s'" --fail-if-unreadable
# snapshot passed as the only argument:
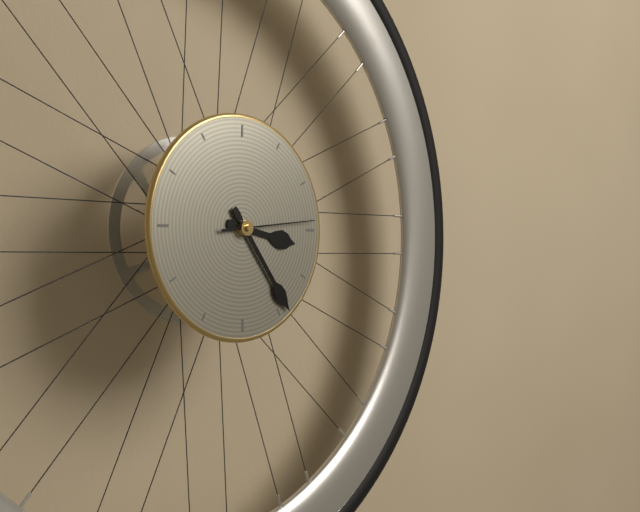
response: 3 h 24 min 14 s
